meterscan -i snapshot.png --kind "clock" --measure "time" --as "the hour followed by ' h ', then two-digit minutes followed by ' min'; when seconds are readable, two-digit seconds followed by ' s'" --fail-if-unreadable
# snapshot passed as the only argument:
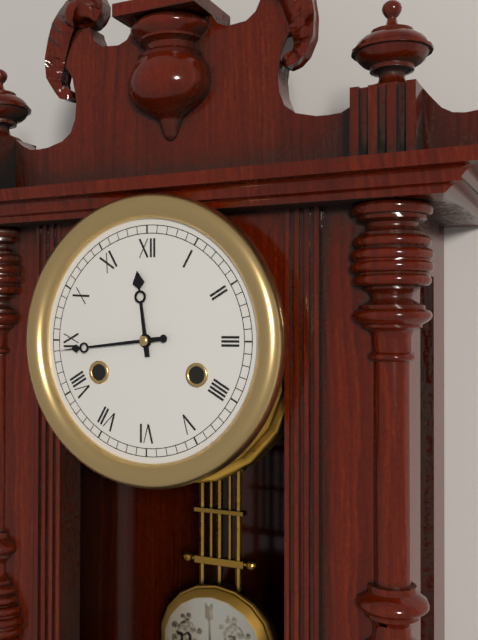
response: 11 h 44 min
